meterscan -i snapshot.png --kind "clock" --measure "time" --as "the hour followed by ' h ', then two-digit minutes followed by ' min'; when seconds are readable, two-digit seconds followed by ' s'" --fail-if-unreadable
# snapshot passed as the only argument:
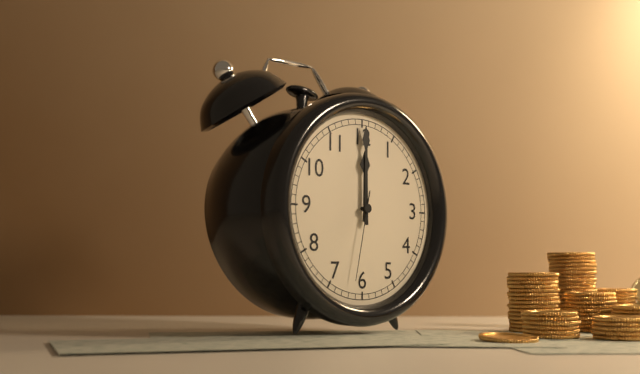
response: 12 h 00 min 32 s
